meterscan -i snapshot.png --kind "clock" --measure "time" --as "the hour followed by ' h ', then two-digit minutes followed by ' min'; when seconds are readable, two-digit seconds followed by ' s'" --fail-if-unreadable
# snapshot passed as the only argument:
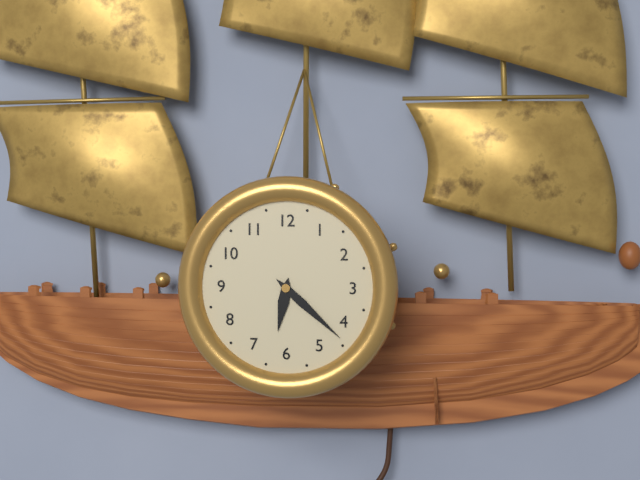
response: 6 h 22 min
